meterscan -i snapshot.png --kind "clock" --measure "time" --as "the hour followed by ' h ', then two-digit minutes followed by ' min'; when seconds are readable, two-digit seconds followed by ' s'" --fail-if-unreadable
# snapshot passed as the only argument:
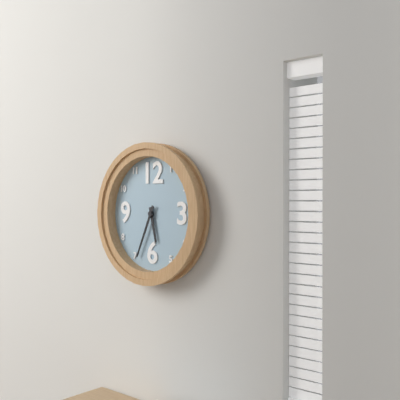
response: 5 h 34 min
